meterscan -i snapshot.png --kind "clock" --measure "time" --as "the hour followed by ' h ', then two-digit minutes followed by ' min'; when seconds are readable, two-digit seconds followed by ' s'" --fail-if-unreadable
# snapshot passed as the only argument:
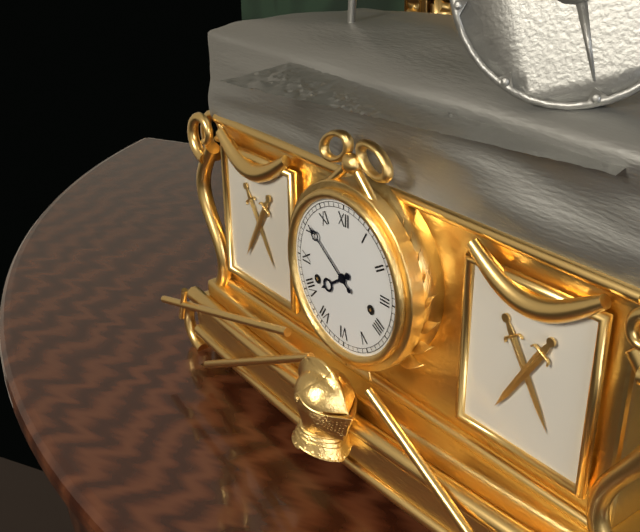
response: 7 h 51 min
